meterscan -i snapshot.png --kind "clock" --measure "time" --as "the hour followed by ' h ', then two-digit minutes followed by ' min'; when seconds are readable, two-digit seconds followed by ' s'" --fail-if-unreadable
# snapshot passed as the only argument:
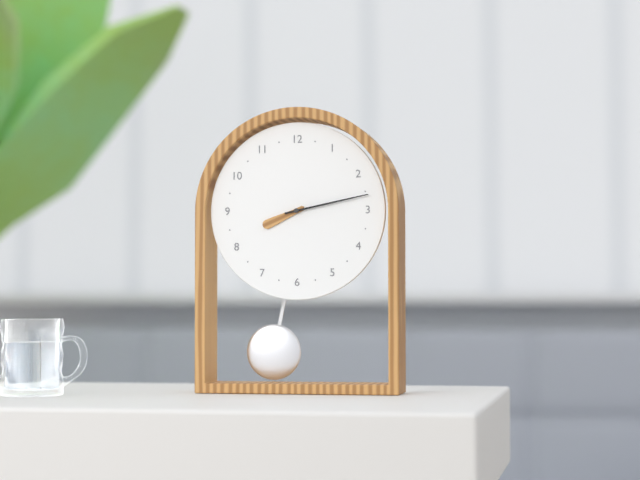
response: 8 h 13 min
